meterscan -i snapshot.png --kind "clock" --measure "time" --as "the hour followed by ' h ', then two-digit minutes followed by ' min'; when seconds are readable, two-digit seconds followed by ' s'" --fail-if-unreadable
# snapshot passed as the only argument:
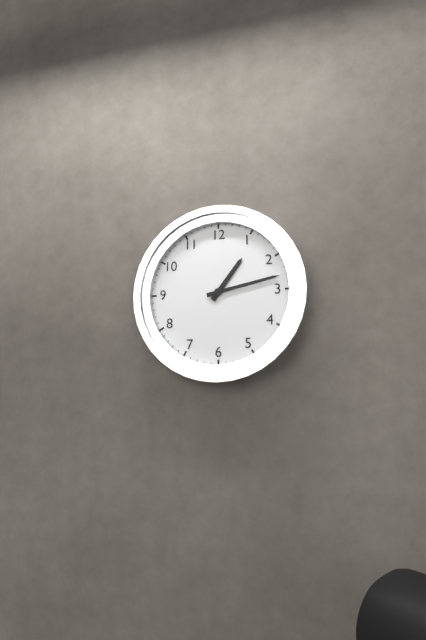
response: 1 h 13 min
